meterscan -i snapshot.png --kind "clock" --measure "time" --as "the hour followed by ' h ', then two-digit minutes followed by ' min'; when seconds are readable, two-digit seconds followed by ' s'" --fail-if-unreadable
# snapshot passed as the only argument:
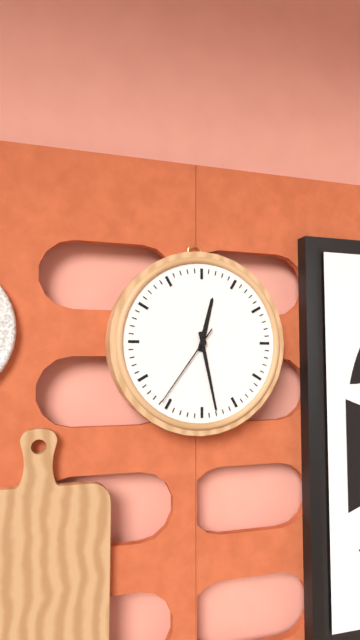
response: 12 h 28 min 36 s
